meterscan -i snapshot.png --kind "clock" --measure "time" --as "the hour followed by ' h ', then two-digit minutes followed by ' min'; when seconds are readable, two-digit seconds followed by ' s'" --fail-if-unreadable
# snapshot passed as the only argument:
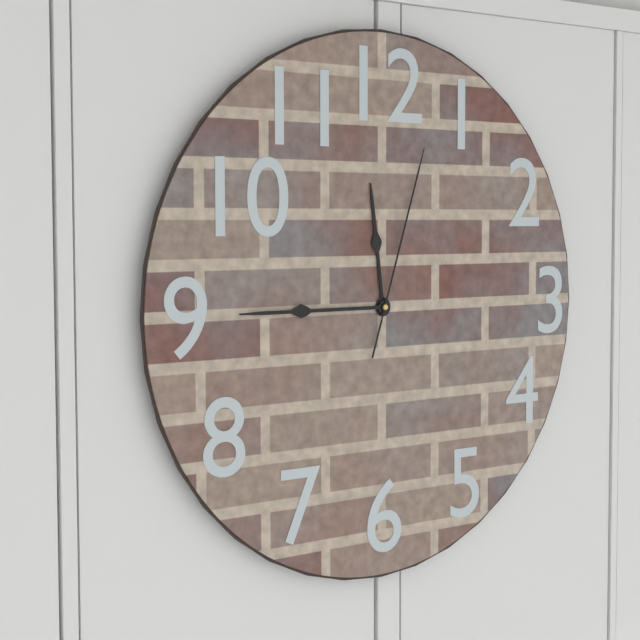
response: 11 h 45 min 03 s
